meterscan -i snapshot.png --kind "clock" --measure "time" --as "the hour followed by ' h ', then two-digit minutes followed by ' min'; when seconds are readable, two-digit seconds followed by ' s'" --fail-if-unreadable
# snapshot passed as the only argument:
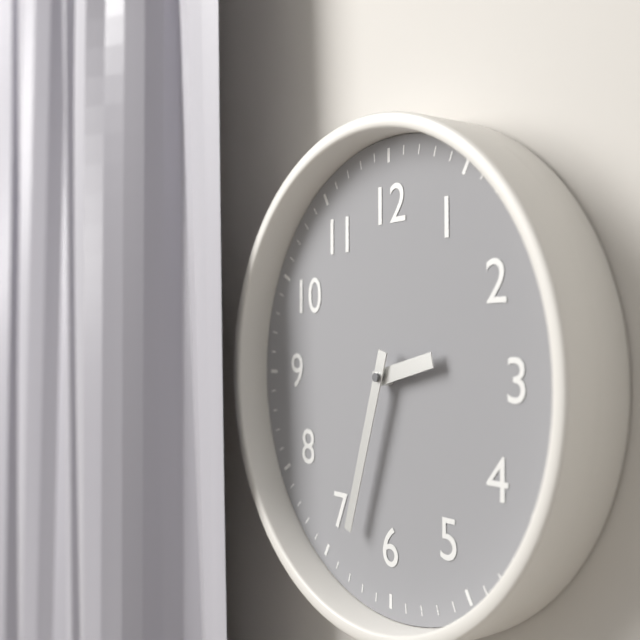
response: 2 h 33 min
